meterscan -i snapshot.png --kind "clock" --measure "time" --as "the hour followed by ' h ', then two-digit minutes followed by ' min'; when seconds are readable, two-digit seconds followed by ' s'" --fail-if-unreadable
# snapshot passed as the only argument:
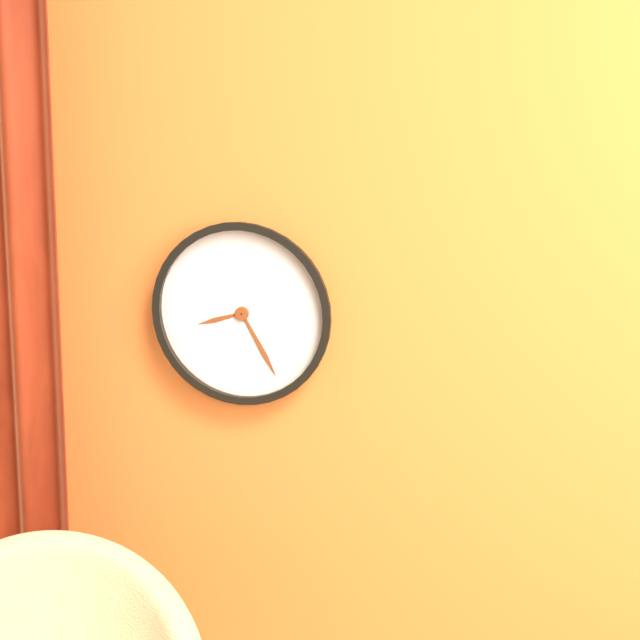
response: 8 h 25 min
